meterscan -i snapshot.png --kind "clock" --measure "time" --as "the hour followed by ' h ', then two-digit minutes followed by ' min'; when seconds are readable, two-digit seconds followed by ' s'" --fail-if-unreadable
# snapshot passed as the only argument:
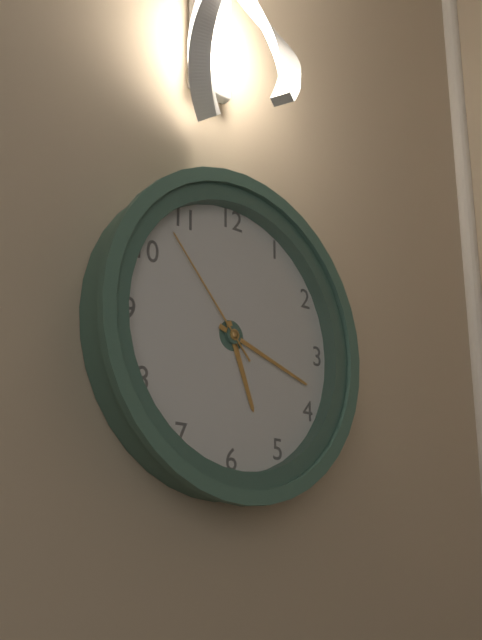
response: 5 h 18 min 53 s
